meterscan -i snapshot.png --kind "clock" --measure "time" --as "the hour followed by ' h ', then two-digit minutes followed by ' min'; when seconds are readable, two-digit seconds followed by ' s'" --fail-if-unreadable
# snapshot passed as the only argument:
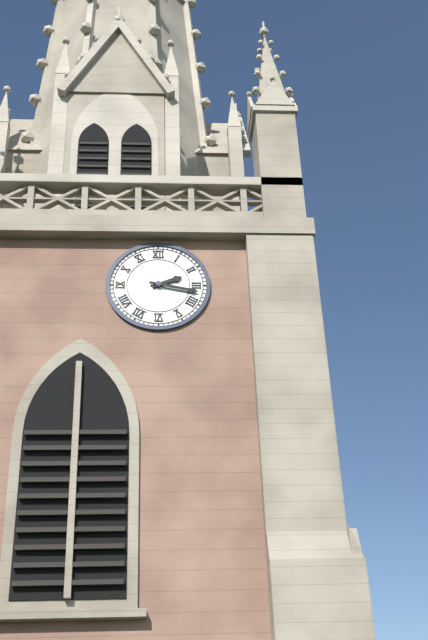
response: 2 h 17 min
